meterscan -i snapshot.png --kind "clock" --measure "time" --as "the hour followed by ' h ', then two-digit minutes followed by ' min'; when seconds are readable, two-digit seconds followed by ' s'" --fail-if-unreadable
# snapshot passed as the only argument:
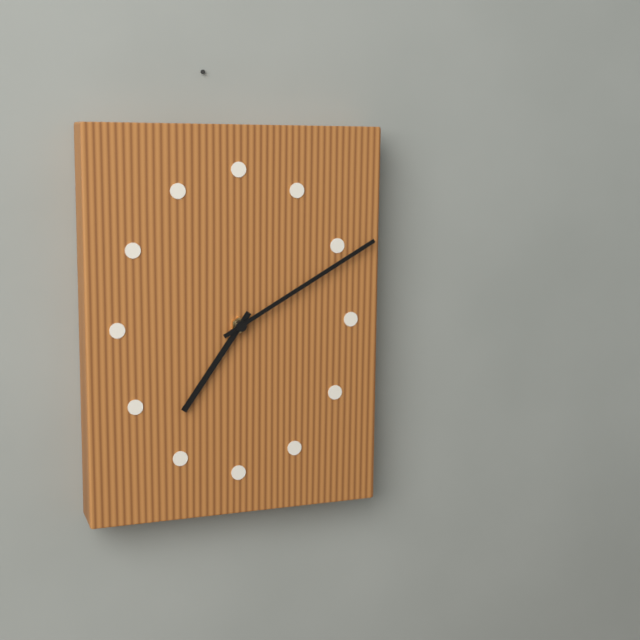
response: 7 h 10 min
